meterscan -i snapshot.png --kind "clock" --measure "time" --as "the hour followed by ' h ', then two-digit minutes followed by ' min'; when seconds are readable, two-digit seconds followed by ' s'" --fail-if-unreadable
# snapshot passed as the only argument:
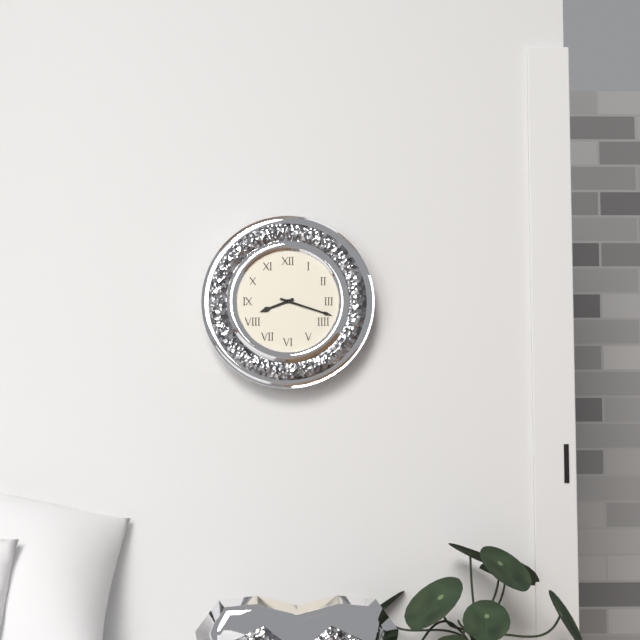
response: 8 h 18 min
